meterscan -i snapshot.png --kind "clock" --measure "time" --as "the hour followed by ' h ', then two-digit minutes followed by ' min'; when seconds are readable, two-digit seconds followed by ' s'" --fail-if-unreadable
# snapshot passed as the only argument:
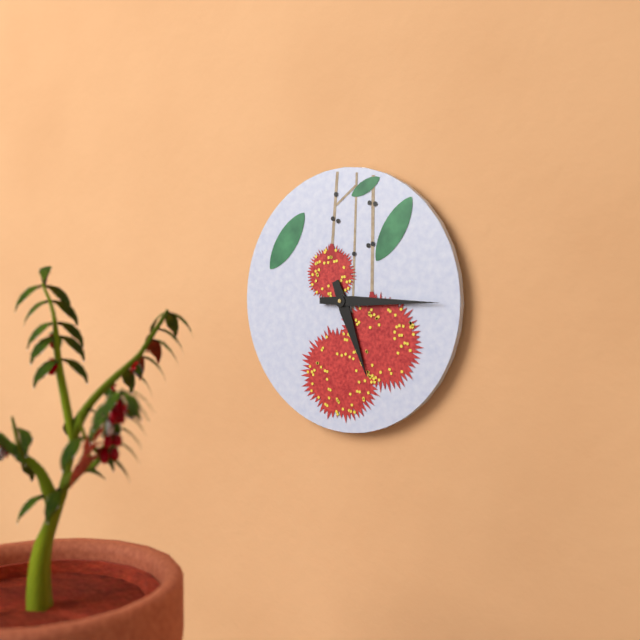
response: 5 h 15 min
